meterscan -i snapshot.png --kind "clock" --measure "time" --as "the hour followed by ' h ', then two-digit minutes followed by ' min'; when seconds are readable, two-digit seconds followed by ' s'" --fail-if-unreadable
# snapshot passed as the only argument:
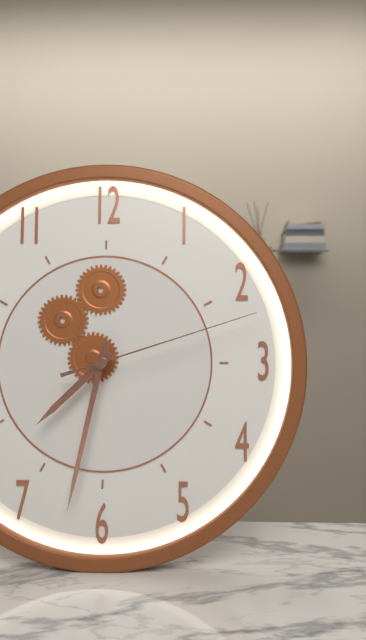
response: 7 h 32 min 12 s
